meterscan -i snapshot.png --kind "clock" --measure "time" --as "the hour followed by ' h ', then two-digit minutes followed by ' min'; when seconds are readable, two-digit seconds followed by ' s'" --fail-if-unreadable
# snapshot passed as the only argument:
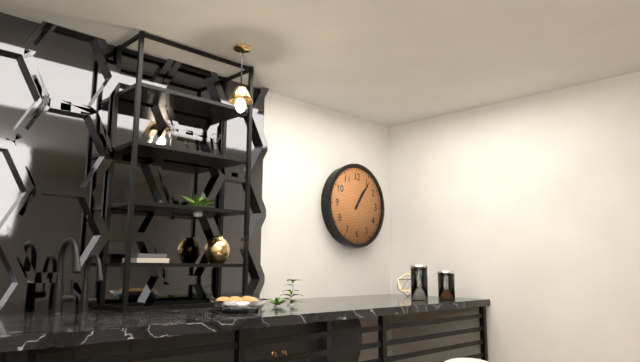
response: 1 h 06 min
